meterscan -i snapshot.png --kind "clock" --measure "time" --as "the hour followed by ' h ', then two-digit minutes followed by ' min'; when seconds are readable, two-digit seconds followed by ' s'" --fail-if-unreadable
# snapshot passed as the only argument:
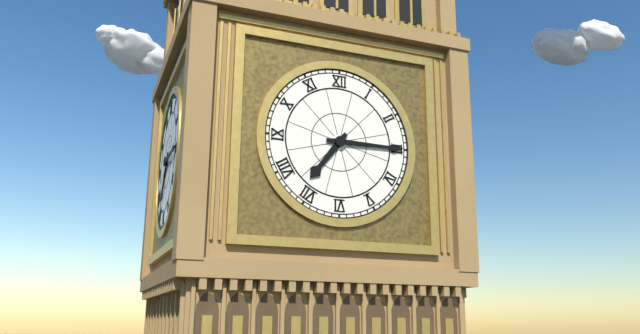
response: 7 h 15 min
